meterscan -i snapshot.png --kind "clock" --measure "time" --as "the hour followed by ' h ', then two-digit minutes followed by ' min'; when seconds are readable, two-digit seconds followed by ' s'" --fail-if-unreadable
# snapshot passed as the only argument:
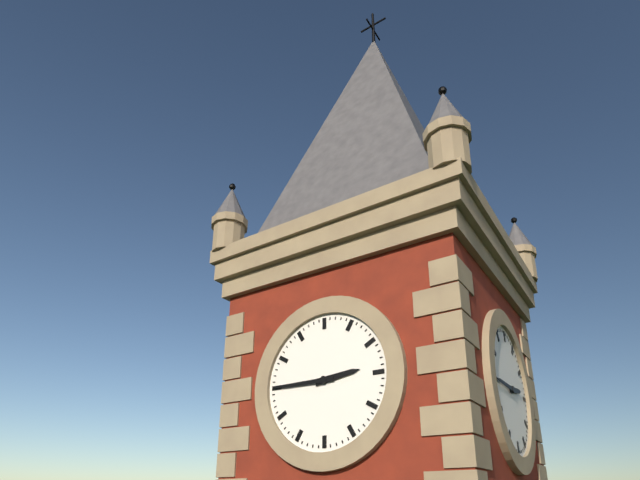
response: 2 h 45 min
